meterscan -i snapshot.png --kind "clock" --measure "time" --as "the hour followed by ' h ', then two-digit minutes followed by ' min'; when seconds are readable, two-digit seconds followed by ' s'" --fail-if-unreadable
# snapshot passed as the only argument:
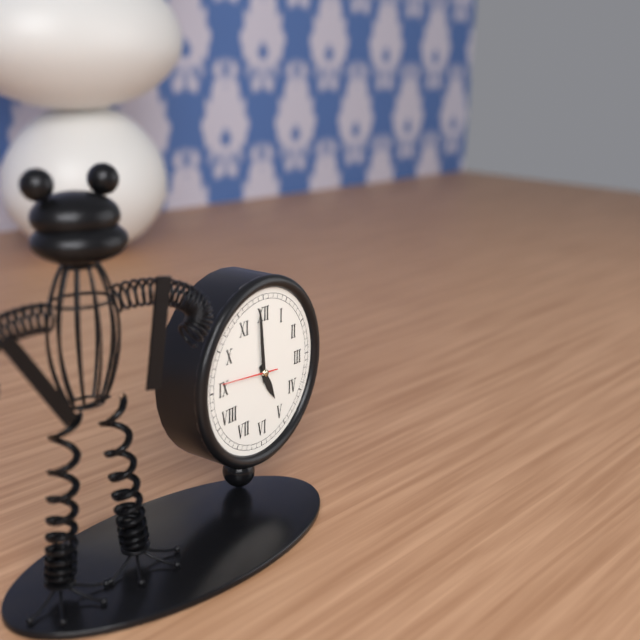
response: 4 h 59 min
